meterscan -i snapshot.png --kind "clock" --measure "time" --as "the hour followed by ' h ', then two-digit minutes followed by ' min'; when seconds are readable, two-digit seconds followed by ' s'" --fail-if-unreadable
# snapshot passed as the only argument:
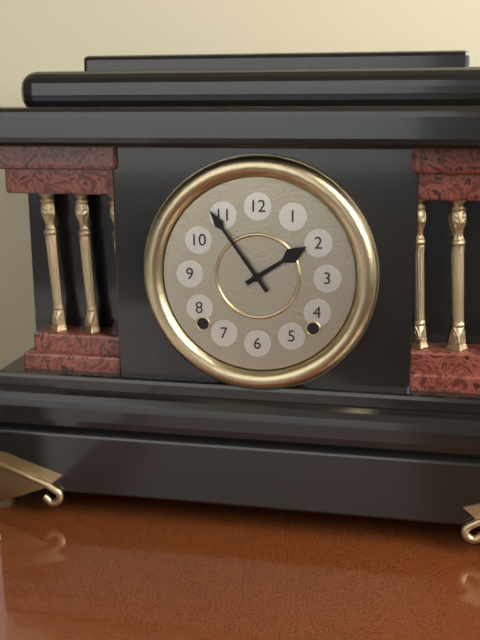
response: 1 h 54 min
